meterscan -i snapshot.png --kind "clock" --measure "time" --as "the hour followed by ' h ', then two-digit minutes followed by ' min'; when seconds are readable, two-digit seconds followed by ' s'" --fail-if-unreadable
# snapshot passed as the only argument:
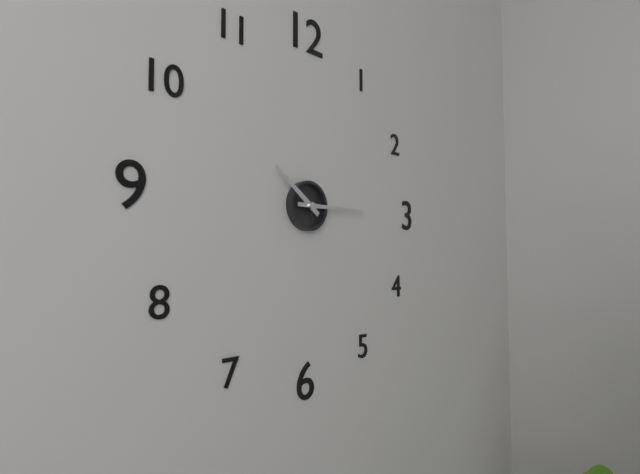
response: 10 h 15 min
